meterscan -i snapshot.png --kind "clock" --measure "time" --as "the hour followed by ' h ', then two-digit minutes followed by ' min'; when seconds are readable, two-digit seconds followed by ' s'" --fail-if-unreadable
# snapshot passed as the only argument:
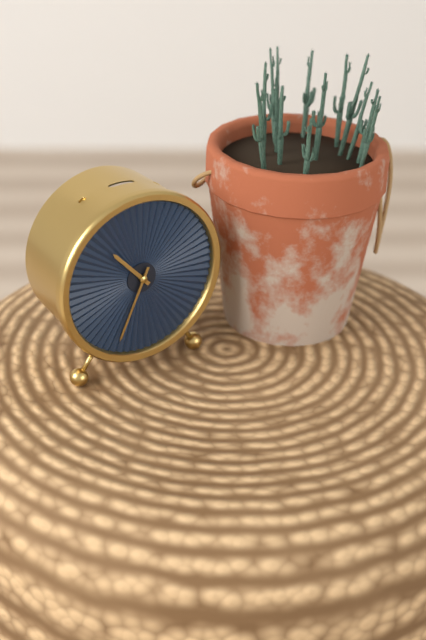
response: 10 h 34 min
